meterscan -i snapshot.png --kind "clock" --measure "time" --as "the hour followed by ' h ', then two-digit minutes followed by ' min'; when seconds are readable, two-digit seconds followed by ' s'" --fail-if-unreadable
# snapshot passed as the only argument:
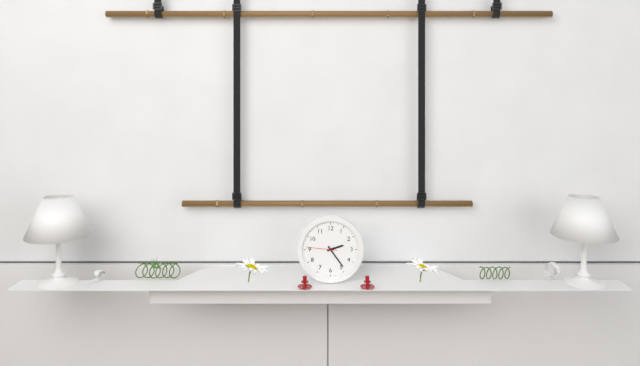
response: 2 h 24 min
